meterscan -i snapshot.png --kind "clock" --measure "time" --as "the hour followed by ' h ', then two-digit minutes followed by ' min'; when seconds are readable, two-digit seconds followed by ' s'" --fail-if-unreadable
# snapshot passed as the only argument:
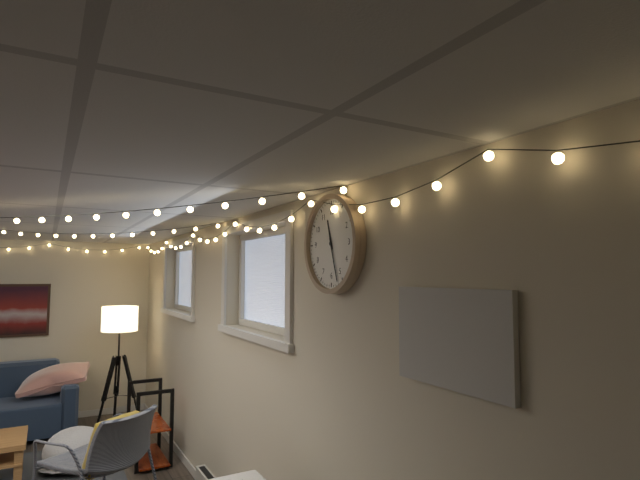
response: 11 h 27 min
